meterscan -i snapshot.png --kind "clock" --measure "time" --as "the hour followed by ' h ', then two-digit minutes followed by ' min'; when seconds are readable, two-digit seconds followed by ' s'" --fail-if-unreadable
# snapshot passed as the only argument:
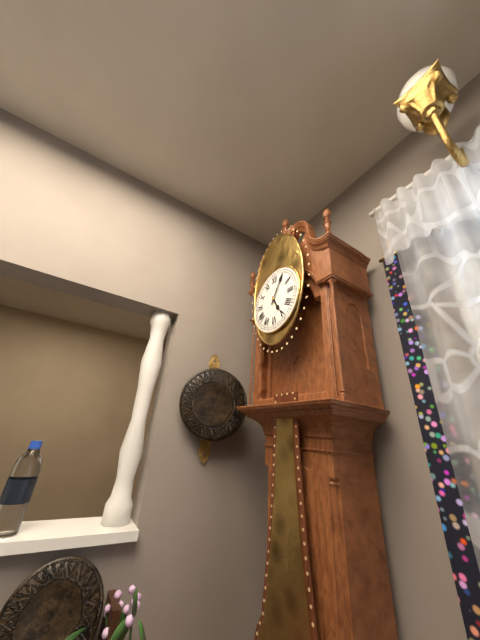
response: 5 h 05 min
